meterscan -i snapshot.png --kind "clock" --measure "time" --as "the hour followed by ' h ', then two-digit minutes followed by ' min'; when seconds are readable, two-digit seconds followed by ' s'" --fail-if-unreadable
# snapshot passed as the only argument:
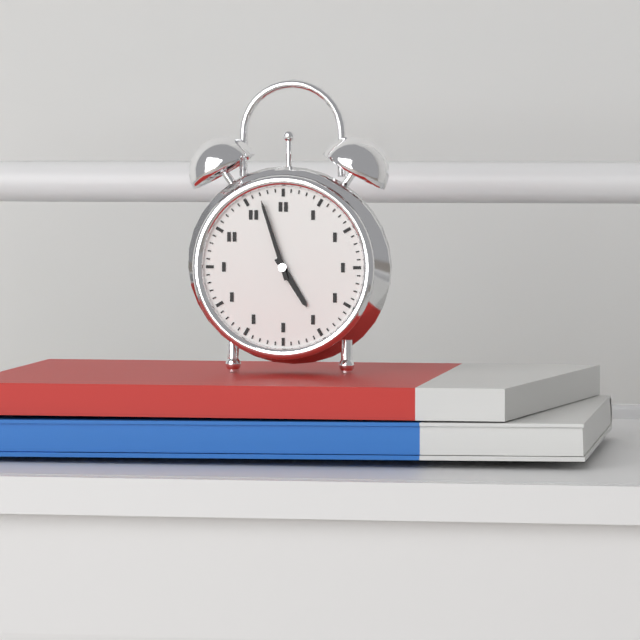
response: 4 h 57 min
